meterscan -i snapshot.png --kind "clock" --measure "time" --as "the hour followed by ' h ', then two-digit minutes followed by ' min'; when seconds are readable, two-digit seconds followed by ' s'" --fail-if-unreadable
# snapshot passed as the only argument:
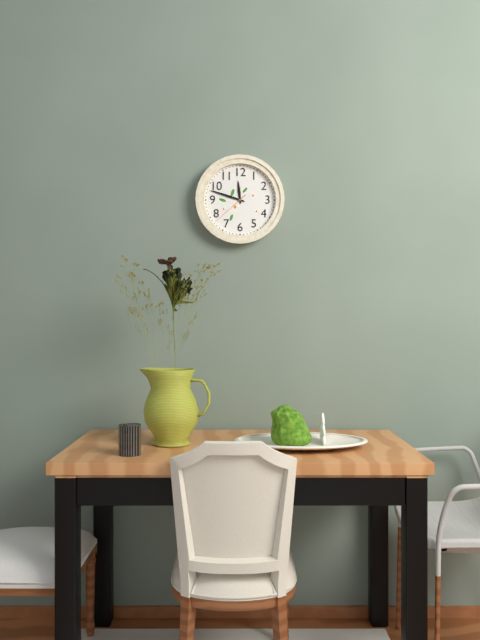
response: 11 h 48 min
